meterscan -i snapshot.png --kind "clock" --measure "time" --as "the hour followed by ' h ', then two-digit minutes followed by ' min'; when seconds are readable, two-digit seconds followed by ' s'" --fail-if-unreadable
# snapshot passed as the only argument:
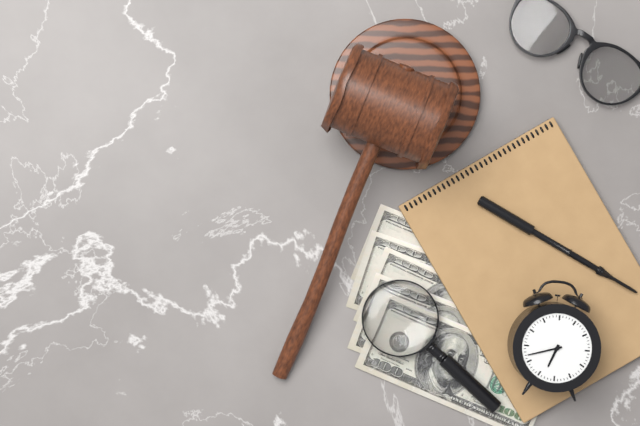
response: 6 h 42 min
